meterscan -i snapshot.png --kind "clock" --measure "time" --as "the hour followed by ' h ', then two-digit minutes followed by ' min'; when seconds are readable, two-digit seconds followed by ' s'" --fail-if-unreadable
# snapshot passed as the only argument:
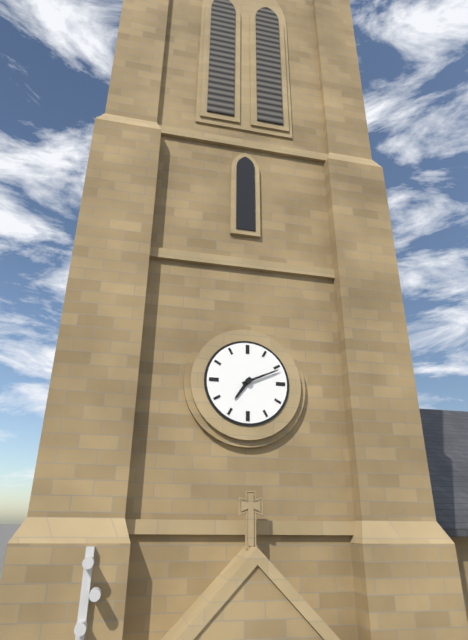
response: 7 h 11 min
